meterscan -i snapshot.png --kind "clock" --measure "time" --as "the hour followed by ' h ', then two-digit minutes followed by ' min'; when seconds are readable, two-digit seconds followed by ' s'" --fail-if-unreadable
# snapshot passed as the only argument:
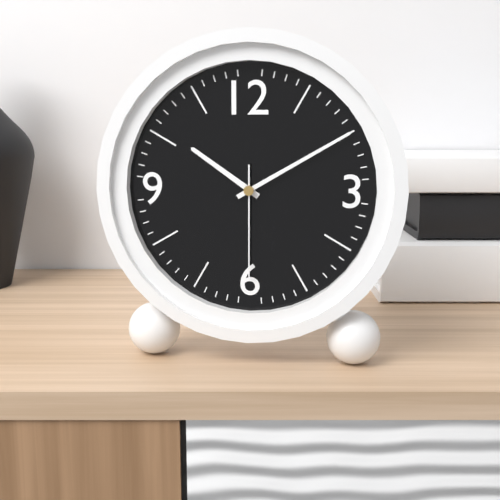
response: 10 h 10 min 30 s
